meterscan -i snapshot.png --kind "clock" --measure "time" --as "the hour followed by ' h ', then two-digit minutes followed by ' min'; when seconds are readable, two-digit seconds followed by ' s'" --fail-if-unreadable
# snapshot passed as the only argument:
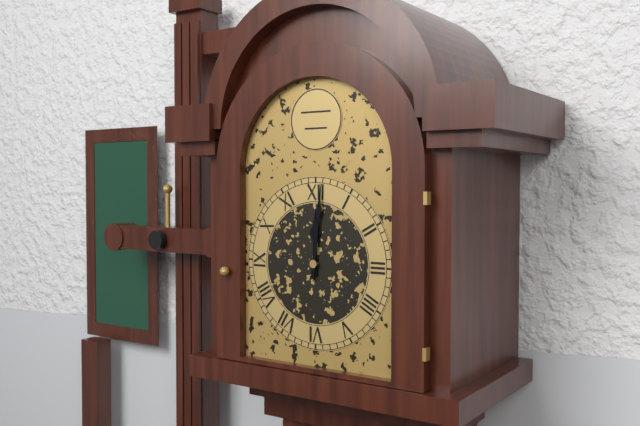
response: 12 h 01 min
